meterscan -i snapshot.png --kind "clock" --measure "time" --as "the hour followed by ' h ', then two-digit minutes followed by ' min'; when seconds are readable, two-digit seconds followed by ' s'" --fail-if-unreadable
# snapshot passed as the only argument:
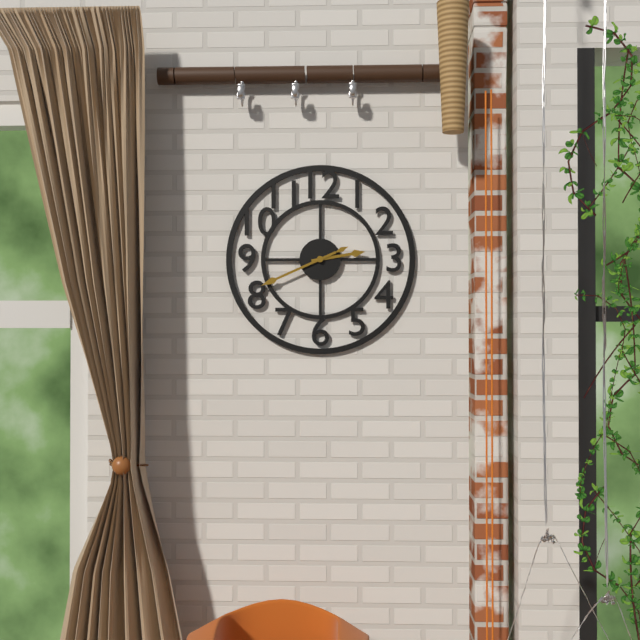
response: 2 h 41 min
